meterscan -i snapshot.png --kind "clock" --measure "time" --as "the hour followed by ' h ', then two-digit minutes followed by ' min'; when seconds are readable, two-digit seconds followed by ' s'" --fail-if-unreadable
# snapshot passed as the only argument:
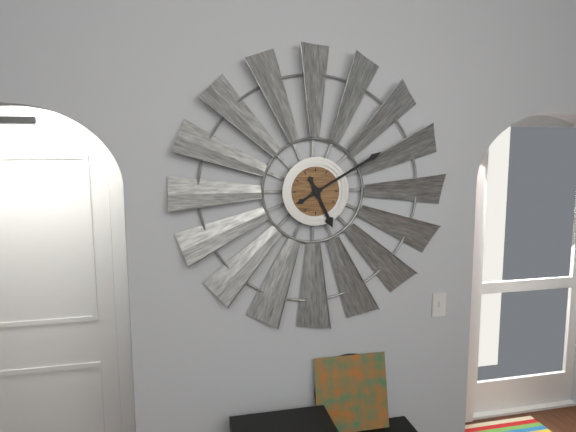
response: 5 h 10 min
